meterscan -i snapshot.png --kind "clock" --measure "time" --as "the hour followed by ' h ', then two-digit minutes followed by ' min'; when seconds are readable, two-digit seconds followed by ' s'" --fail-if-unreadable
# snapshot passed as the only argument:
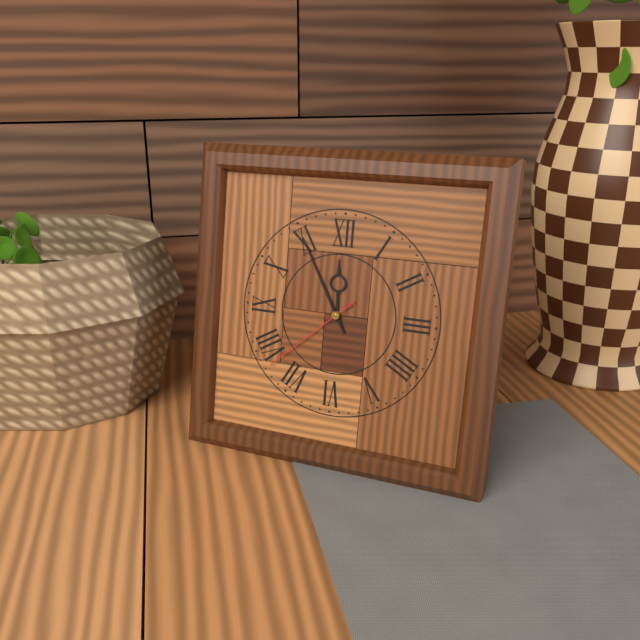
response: 11 h 55 min 38 s
